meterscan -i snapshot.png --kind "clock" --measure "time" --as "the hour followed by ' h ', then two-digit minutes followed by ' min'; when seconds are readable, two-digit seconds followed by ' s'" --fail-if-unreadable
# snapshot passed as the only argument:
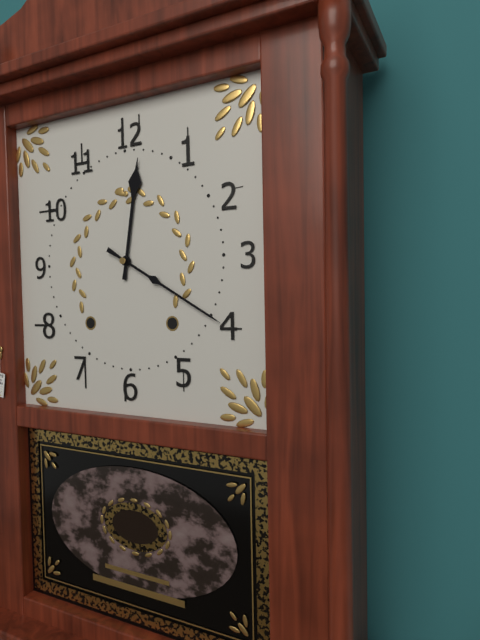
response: 12 h 20 min
